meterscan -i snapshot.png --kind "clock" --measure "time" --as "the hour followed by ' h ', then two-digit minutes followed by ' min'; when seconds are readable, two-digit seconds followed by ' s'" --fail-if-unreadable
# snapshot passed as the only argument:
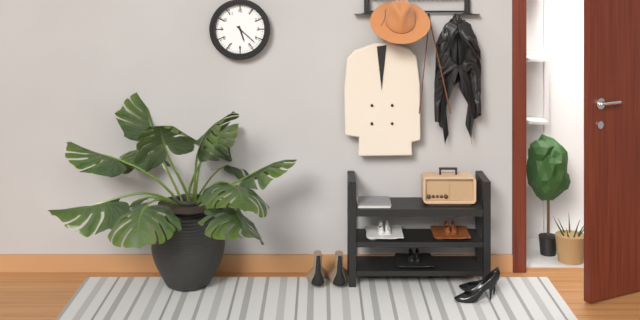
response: 5 h 22 min
